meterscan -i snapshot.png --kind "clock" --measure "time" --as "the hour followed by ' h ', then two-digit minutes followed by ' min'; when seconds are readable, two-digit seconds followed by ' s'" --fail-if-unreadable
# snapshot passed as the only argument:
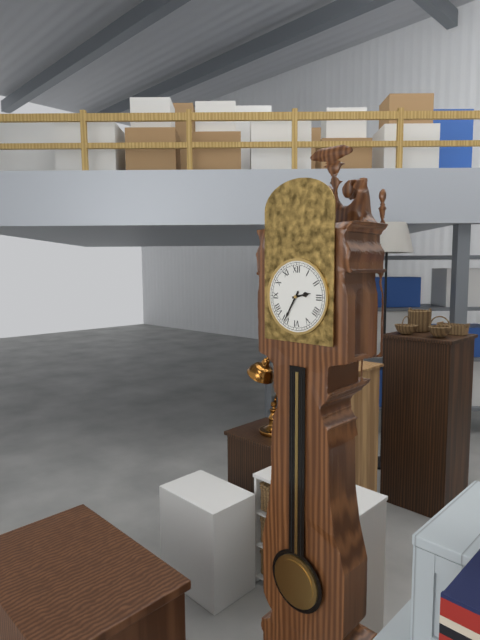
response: 2 h 35 min
